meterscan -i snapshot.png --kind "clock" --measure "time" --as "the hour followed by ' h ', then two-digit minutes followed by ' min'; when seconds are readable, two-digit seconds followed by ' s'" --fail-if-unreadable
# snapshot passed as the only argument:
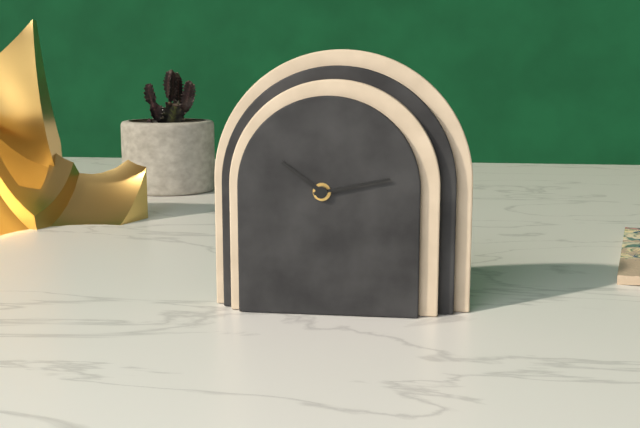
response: 10 h 13 min
